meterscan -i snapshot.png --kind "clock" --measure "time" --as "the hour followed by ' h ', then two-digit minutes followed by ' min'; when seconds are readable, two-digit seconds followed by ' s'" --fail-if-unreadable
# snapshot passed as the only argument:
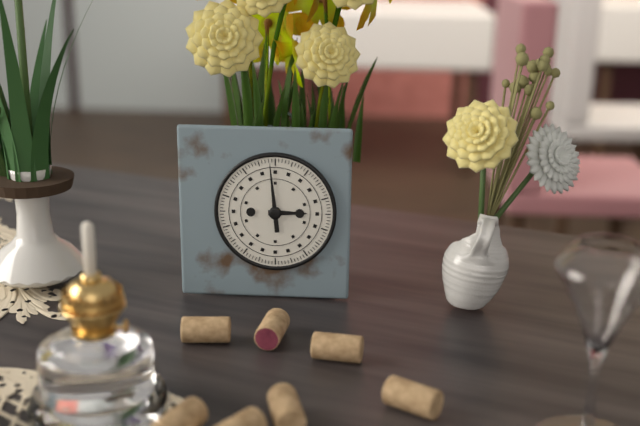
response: 2 h 59 min
